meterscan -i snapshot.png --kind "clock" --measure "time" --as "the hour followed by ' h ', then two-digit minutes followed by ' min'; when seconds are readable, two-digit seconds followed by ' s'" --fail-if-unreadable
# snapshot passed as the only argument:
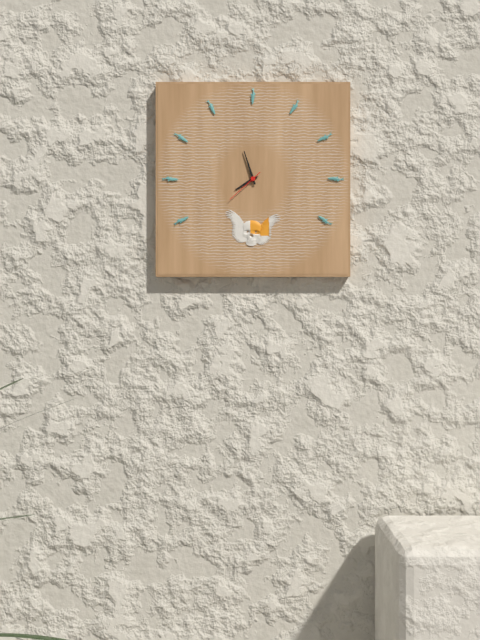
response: 7 h 57 min
